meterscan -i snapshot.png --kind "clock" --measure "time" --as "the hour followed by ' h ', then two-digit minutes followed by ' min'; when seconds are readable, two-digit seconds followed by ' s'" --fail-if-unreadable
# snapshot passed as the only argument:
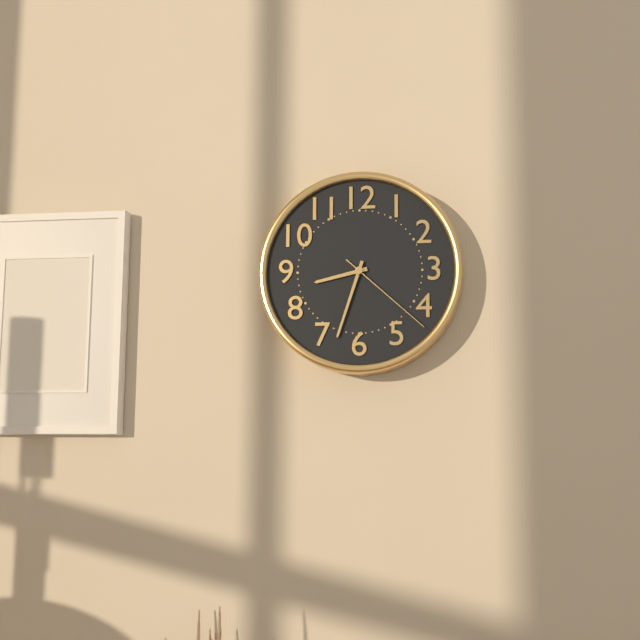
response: 8 h 33 min 22 s
